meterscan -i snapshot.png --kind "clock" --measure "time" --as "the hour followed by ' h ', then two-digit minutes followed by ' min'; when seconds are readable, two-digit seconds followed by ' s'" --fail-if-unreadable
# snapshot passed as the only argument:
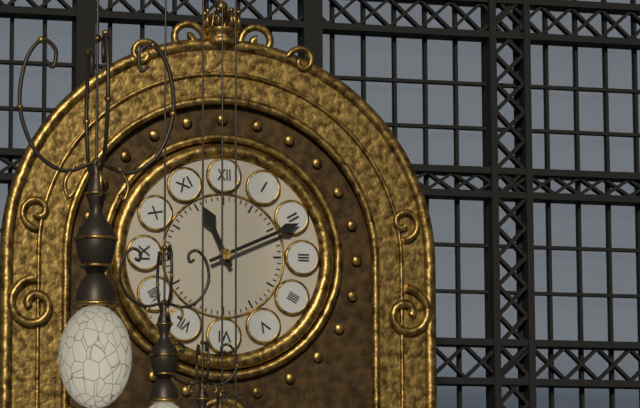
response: 11 h 11 min
